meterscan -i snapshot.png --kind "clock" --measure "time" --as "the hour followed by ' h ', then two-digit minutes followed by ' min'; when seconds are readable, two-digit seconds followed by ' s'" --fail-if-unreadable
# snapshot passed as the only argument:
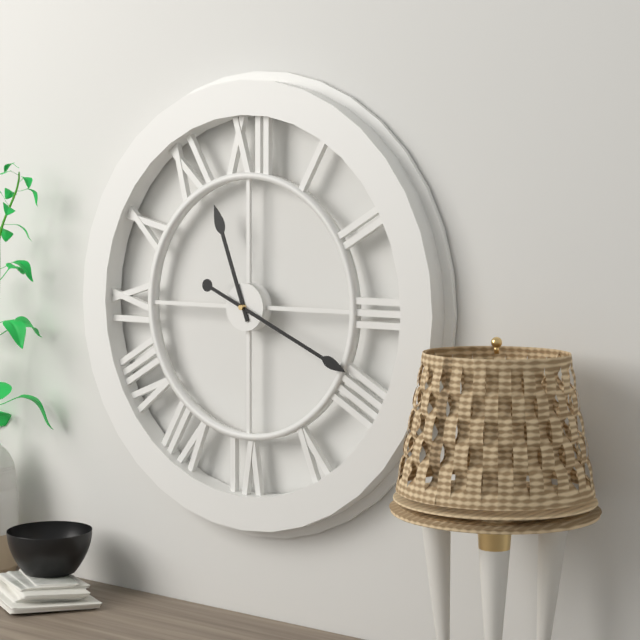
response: 11 h 19 min
